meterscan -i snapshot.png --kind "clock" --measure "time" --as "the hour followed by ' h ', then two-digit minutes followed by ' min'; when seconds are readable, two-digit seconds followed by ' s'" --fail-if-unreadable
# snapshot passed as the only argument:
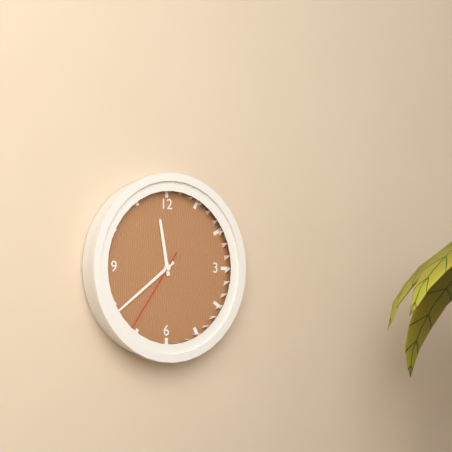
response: 11 h 39 min 36 s
